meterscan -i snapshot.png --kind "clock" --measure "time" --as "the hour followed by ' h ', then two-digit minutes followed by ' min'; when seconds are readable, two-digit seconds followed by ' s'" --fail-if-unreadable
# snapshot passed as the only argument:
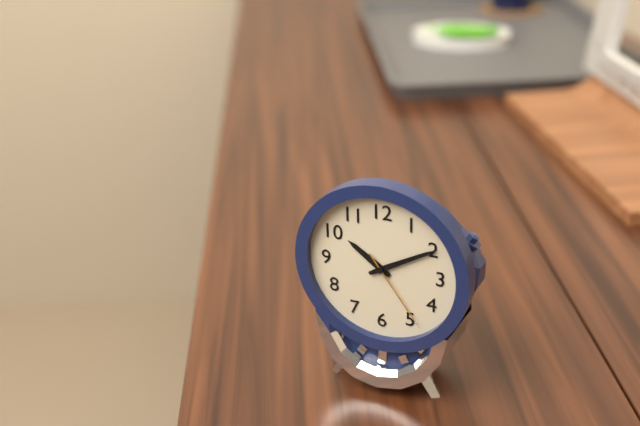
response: 10 h 10 min 24 s
